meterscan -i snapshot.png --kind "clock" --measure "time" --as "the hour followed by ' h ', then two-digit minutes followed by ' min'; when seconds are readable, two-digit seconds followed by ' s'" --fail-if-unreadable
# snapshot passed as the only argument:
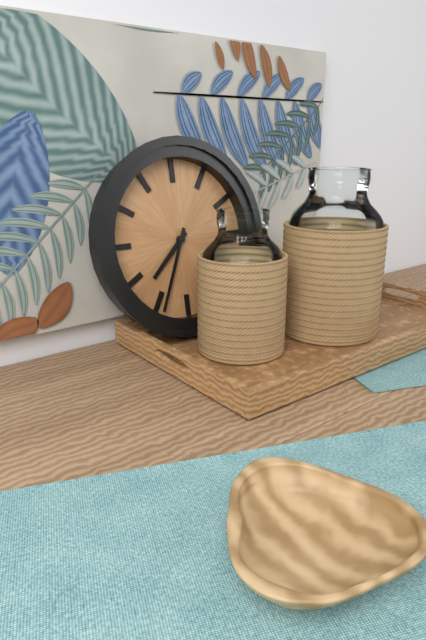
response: 7 h 34 min
